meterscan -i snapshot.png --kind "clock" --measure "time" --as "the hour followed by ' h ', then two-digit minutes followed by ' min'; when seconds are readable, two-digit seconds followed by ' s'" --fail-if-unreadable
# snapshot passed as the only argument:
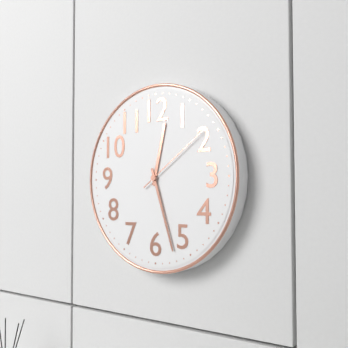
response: 12 h 27 min 09 s
